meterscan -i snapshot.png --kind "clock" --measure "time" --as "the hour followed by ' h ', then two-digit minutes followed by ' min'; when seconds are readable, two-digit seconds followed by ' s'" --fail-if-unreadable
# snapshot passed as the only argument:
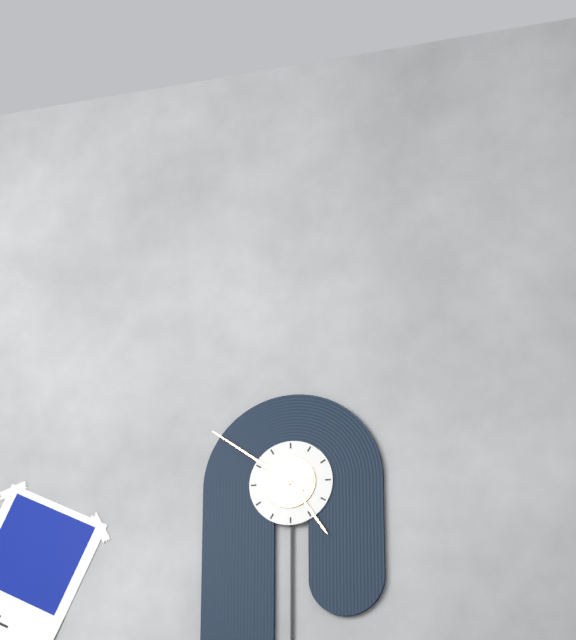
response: 4 h 51 min
